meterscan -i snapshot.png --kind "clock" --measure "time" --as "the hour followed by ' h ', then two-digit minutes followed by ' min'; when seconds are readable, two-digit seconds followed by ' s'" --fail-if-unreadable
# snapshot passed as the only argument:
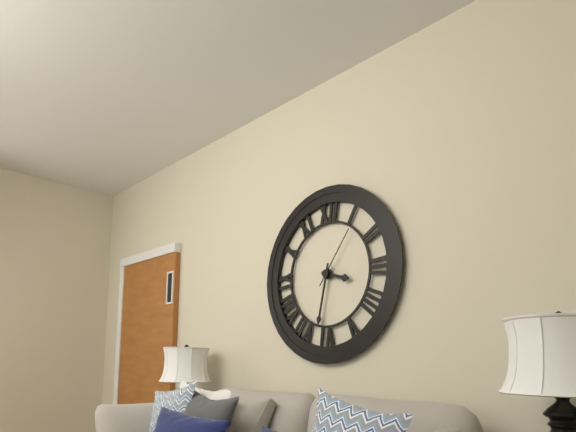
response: 3 h 32 min 06 s
